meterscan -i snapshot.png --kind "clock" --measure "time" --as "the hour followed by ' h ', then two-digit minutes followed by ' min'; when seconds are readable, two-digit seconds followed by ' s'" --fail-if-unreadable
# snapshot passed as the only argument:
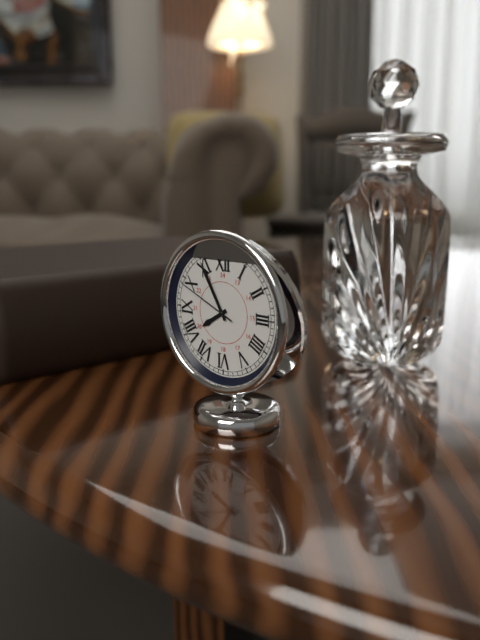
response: 7 h 55 min 49 s
